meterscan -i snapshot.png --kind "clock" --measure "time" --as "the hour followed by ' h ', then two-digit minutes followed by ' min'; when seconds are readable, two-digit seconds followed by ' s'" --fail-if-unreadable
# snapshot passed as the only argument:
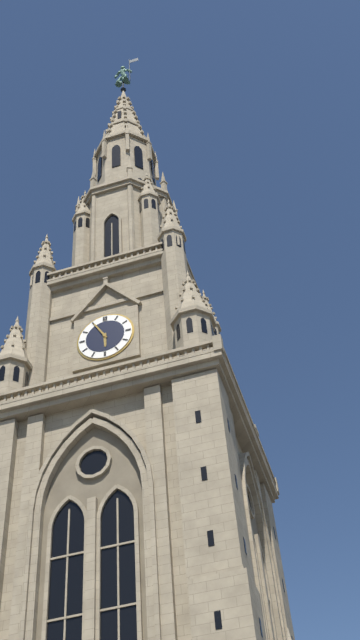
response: 5 h 55 min
